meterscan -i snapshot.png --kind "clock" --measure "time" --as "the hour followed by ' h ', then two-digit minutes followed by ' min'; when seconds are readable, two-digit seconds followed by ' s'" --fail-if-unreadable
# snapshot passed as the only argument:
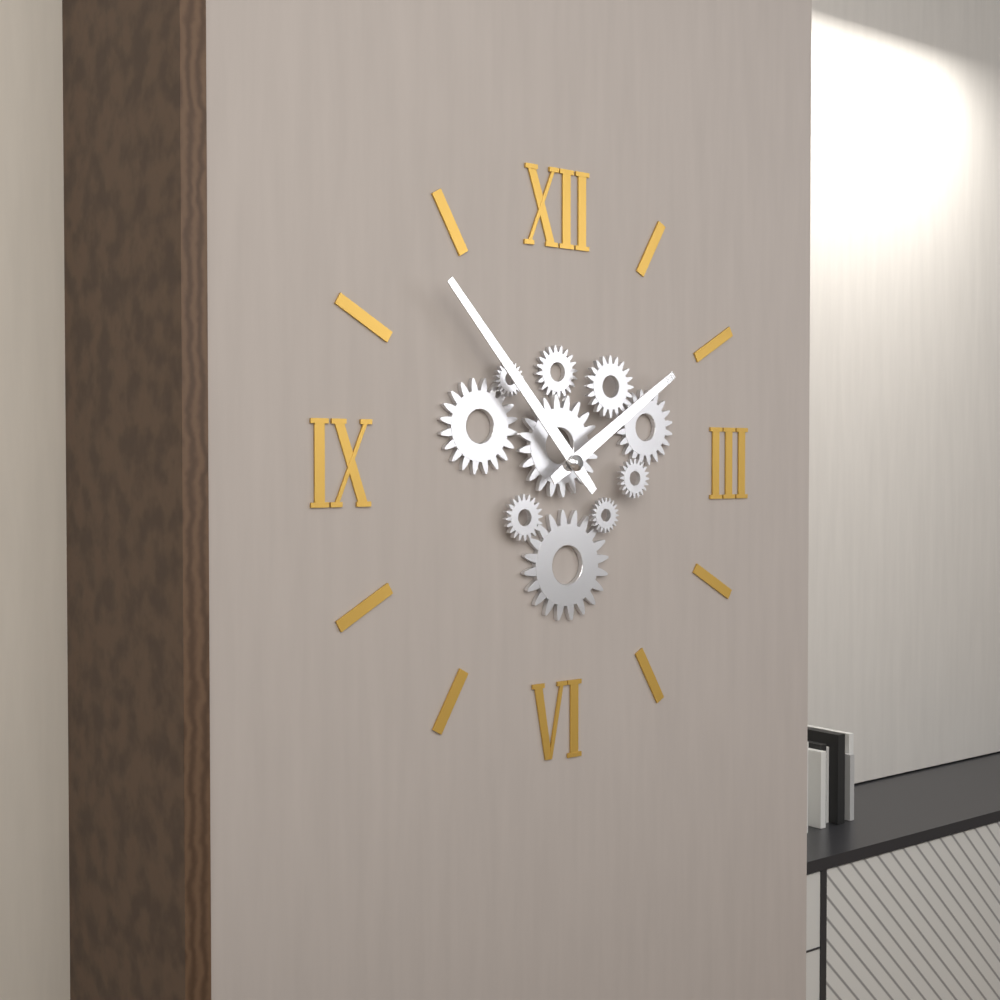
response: 1 h 53 min
